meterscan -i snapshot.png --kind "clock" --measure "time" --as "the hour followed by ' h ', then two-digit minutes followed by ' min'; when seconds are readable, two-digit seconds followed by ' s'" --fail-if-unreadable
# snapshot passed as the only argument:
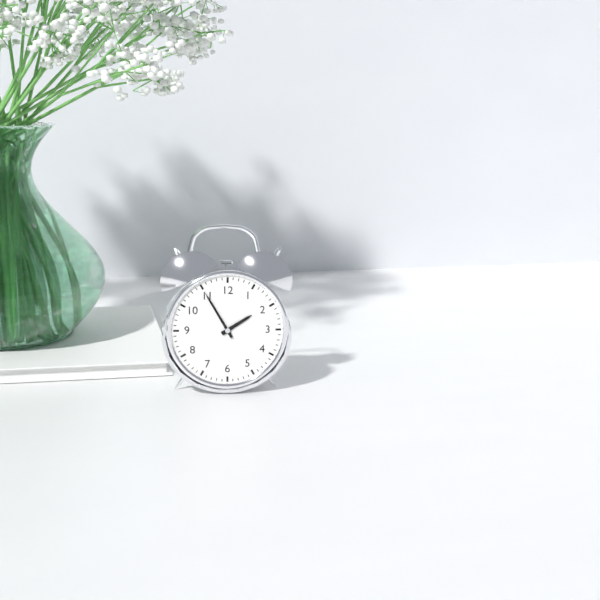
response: 1 h 55 min
